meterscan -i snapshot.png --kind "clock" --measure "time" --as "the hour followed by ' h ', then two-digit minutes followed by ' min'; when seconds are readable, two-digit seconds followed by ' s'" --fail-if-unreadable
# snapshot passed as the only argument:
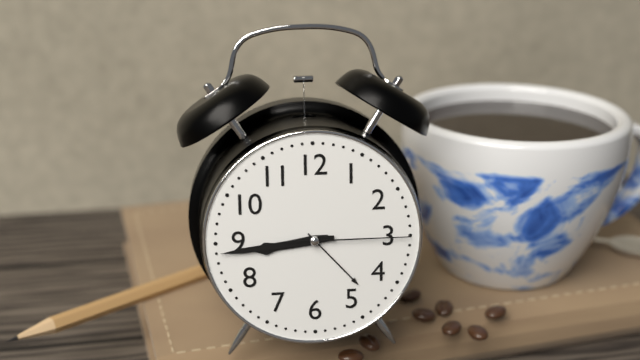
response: 8 h 44 min 15 s
